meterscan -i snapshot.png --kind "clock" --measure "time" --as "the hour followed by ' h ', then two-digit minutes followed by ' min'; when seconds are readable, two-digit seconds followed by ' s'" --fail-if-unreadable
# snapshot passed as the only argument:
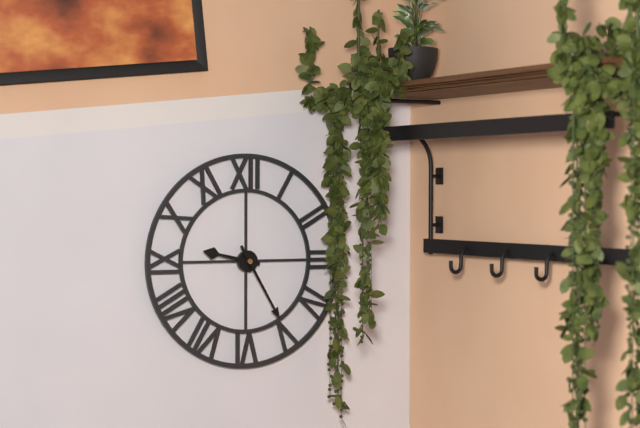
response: 9 h 25 min
